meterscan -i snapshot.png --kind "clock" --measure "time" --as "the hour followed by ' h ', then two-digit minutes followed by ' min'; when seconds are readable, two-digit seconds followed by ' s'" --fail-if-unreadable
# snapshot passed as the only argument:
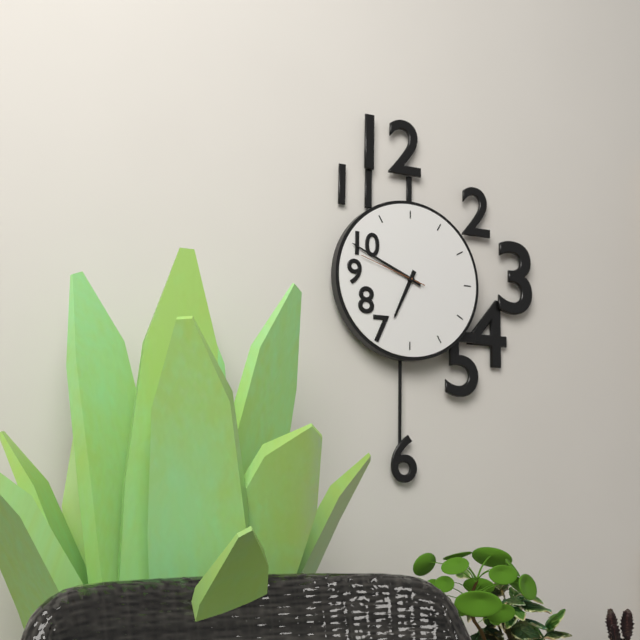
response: 6 h 49 min 48 s
